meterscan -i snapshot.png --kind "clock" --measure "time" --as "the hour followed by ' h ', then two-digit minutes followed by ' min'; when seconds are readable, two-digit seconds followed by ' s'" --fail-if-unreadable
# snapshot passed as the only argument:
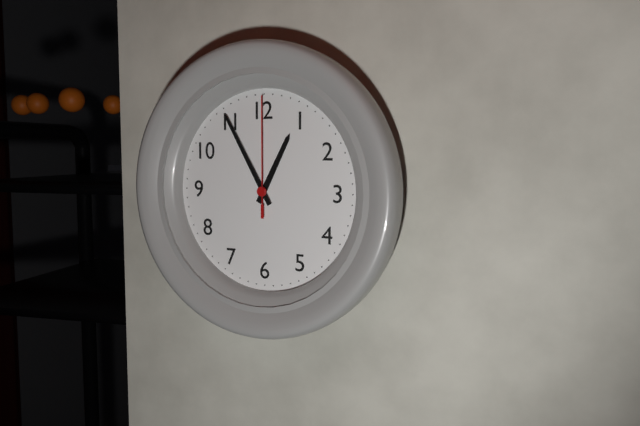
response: 12 h 55 min 00 s
